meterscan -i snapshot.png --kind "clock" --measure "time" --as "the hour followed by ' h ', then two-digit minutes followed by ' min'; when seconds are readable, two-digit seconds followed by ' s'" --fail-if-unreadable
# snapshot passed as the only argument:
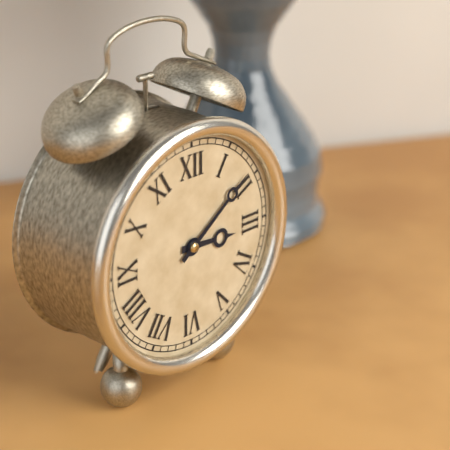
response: 3 h 09 min
